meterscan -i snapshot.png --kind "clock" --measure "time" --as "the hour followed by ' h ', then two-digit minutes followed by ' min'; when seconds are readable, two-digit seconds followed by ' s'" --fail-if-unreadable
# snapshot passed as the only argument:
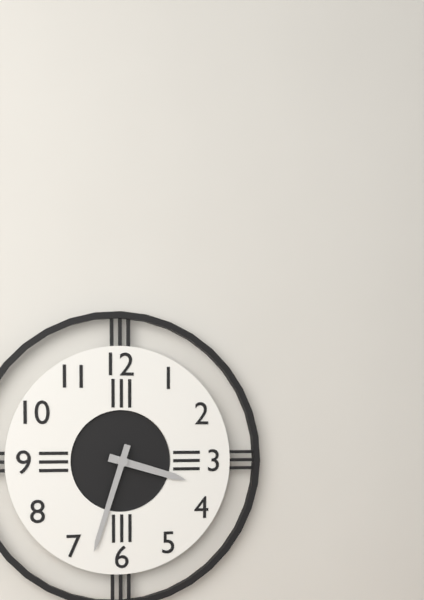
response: 3 h 33 min
